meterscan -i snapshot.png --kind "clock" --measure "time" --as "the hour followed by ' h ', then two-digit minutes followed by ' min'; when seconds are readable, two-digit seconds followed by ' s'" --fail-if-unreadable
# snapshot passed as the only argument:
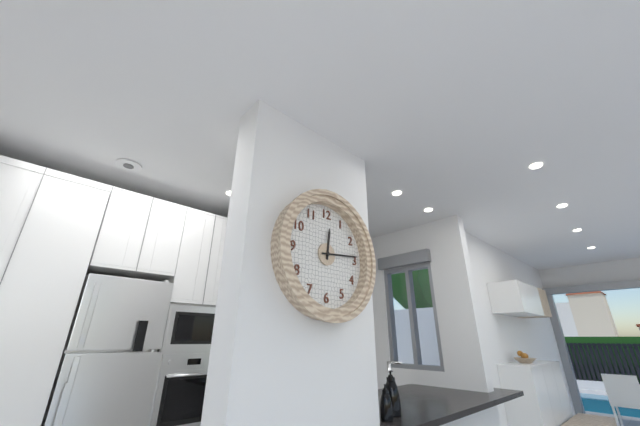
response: 12 h 14 min
